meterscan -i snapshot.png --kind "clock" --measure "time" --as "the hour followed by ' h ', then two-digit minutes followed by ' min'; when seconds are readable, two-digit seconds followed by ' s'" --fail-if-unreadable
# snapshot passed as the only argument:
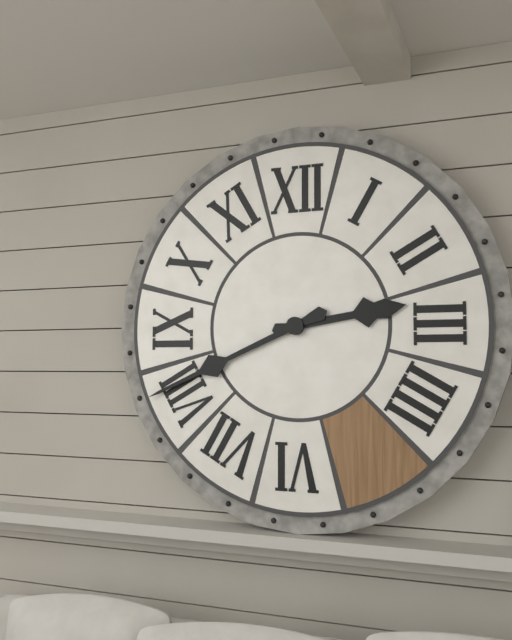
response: 2 h 41 min
